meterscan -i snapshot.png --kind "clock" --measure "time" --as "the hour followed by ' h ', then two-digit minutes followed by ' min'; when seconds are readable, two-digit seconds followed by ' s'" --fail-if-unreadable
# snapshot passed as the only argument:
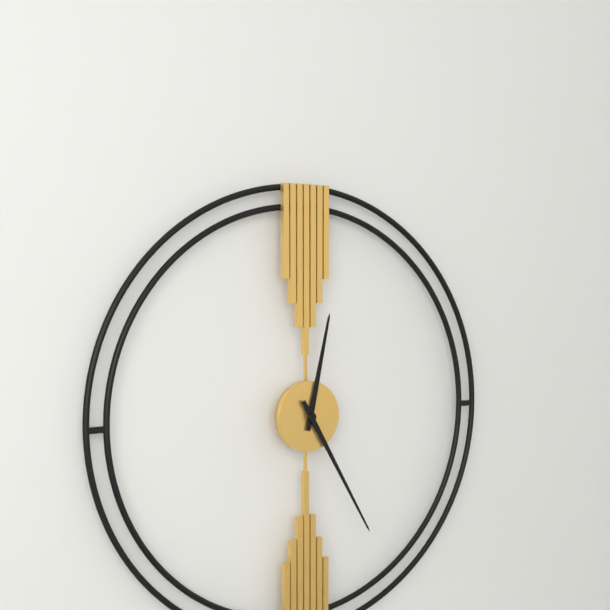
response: 12 h 25 min
